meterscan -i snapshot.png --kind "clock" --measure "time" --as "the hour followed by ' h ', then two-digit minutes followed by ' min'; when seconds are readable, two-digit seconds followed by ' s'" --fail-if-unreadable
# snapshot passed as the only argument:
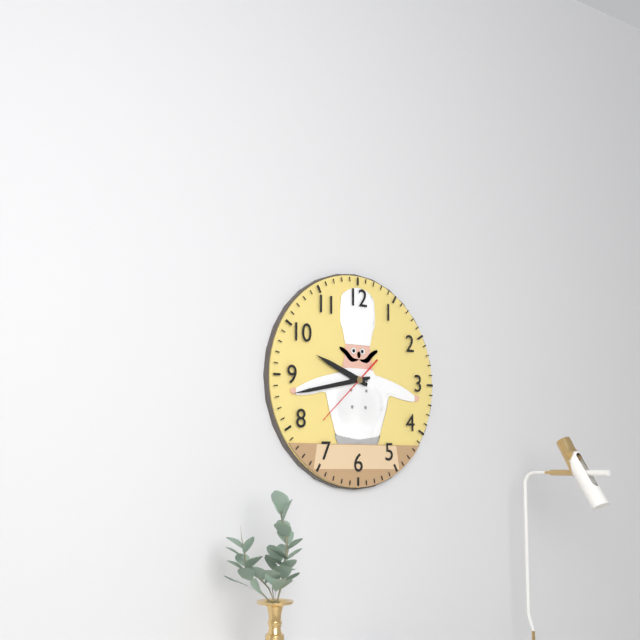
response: 9 h 43 min 38 s
